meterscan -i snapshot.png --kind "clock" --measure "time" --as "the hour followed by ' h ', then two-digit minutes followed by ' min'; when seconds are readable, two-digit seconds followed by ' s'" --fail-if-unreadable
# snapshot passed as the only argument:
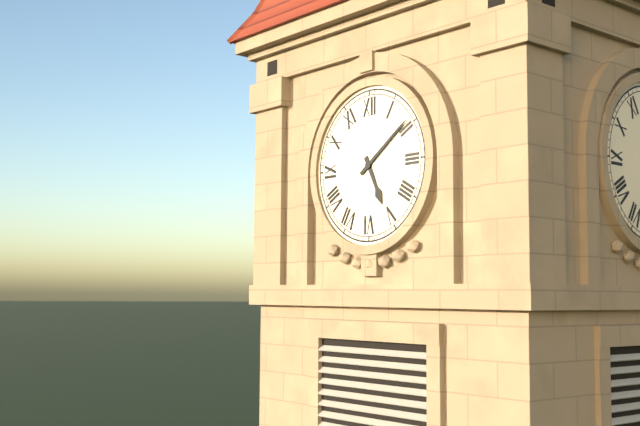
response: 5 h 09 min
